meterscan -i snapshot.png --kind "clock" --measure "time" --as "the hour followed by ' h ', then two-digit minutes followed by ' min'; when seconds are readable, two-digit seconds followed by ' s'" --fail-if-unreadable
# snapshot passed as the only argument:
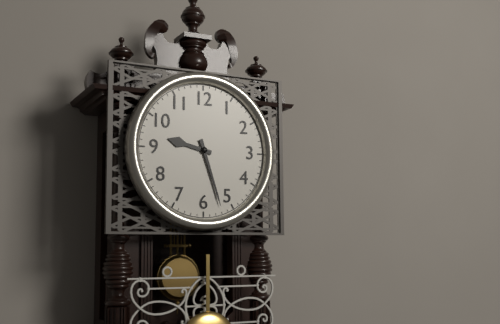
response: 9 h 27 min
